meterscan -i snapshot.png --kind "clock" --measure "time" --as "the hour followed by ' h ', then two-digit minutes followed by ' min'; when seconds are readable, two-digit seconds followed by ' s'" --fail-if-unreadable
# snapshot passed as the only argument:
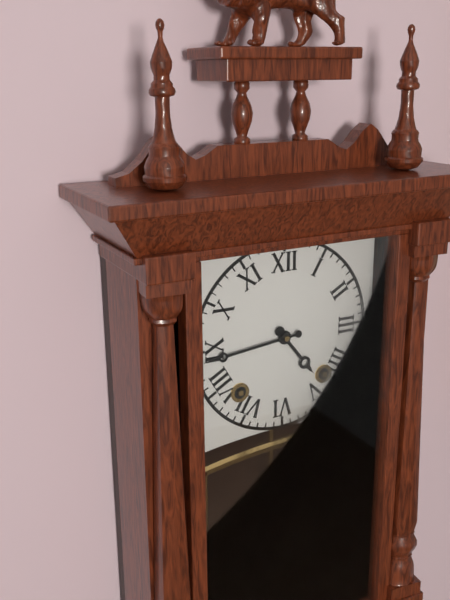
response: 4 h 44 min
